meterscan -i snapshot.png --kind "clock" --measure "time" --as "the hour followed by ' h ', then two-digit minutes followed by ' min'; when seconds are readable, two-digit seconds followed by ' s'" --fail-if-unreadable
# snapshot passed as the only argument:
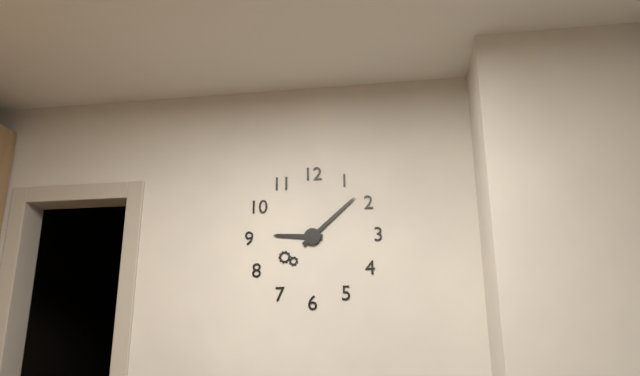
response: 9 h 08 min
